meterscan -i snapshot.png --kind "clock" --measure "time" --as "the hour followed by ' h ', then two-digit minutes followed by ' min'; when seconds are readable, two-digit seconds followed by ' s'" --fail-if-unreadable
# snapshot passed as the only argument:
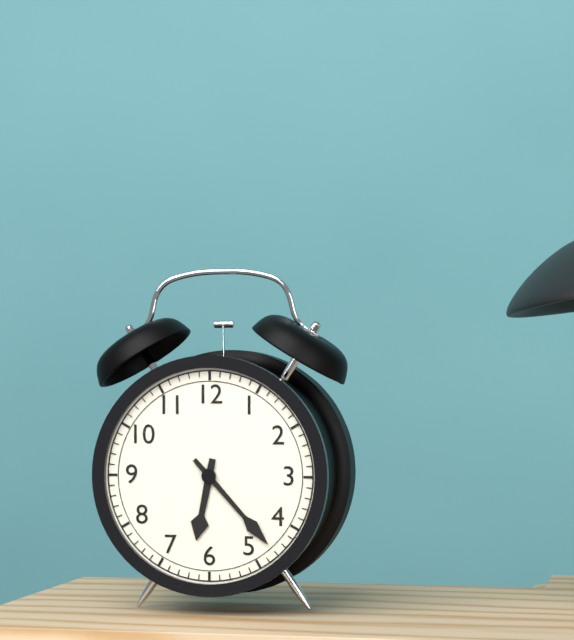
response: 6 h 23 min
